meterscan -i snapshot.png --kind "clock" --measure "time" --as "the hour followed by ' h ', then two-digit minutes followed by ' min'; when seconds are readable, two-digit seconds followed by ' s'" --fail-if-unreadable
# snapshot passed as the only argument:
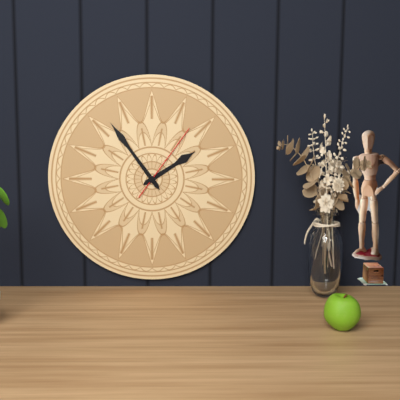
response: 1 h 54 min 06 s
